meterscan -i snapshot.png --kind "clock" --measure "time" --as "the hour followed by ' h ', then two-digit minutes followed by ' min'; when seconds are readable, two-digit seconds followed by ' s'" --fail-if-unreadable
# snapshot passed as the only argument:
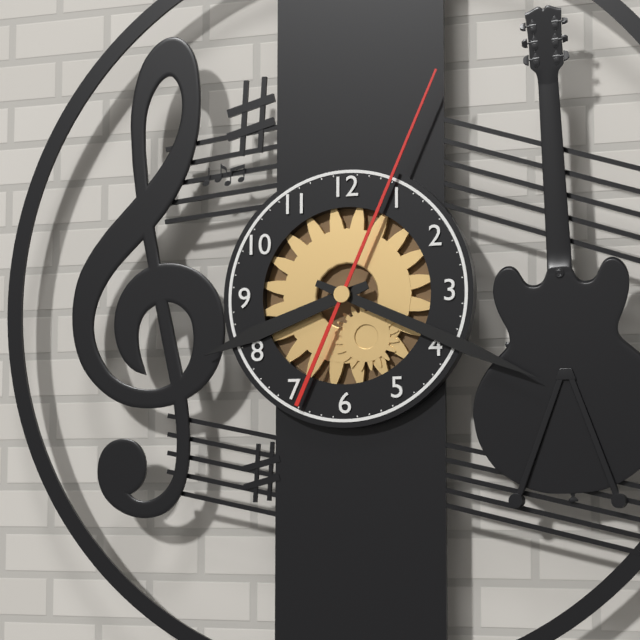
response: 8 h 19 min 04 s
